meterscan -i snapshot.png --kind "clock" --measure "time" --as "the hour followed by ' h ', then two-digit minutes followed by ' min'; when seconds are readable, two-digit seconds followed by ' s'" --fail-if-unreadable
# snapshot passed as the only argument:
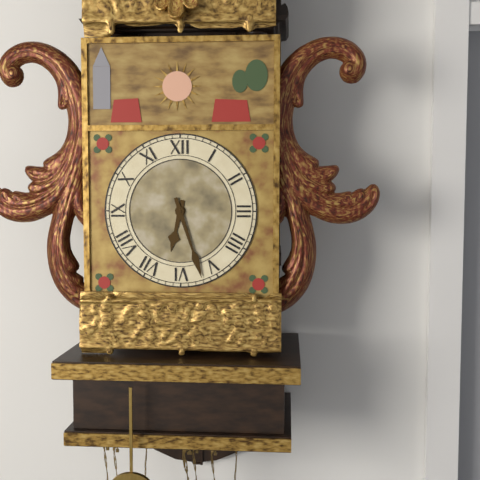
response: 6 h 27 min
